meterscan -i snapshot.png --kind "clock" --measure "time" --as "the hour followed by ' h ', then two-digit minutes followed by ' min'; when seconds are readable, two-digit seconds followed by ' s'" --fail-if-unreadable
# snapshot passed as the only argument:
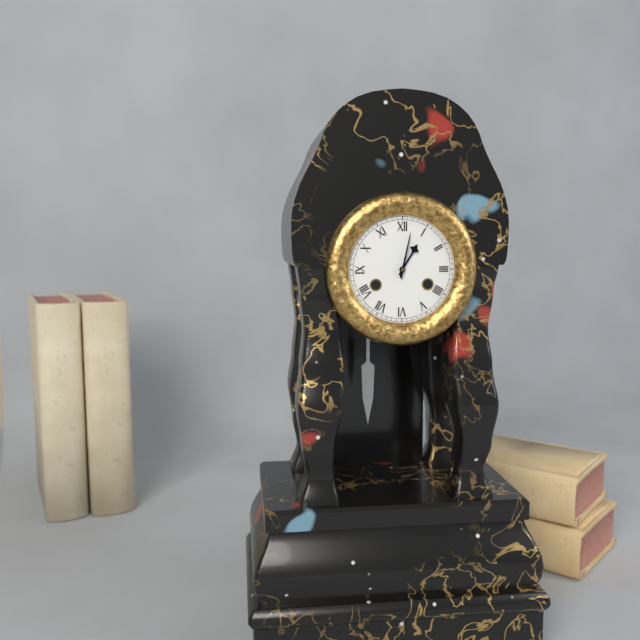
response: 1 h 02 min
